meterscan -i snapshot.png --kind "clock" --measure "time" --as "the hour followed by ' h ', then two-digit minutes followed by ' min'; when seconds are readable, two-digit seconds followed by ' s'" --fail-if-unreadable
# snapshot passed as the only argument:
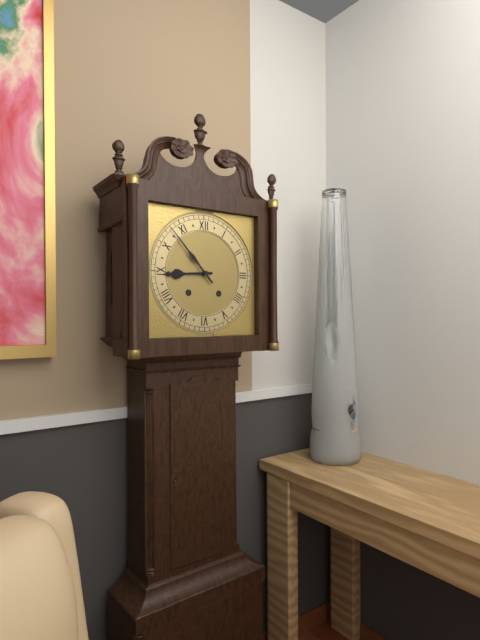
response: 8 h 53 min
